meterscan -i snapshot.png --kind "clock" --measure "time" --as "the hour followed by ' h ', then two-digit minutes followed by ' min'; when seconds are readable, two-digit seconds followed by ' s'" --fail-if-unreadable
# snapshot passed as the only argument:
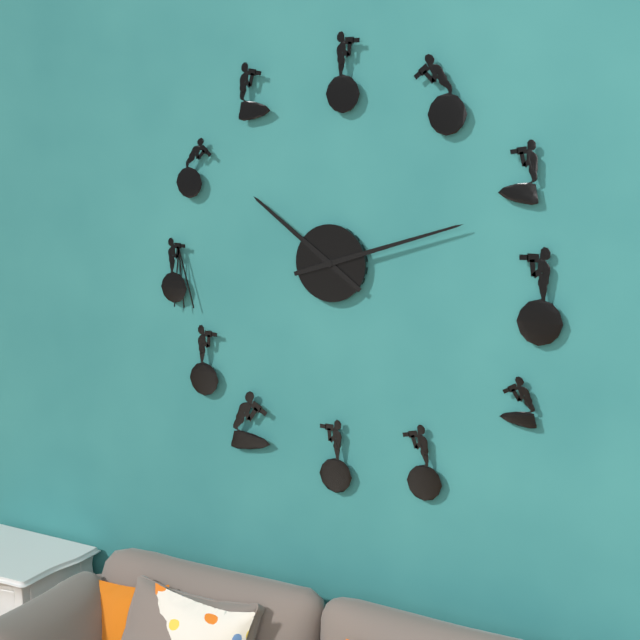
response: 10 h 12 min
